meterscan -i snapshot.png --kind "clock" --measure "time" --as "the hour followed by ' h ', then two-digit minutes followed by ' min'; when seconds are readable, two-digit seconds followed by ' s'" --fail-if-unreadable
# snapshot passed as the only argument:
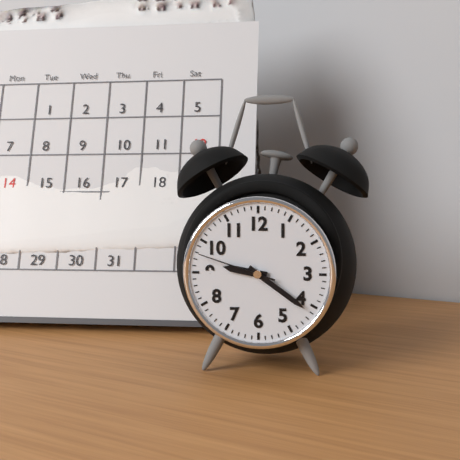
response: 9 h 21 min 48 s
